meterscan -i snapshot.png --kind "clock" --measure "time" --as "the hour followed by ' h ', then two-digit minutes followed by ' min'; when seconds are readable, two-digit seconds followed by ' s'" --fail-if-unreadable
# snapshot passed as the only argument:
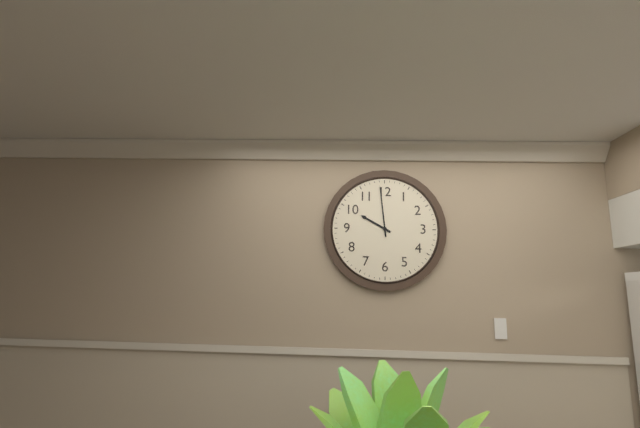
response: 9 h 59 min
